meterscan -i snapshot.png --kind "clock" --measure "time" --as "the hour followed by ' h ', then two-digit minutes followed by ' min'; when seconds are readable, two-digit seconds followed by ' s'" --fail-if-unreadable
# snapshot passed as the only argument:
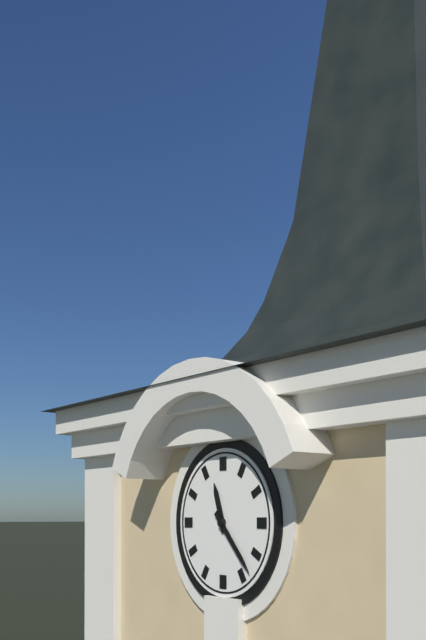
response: 11 h 23 min
